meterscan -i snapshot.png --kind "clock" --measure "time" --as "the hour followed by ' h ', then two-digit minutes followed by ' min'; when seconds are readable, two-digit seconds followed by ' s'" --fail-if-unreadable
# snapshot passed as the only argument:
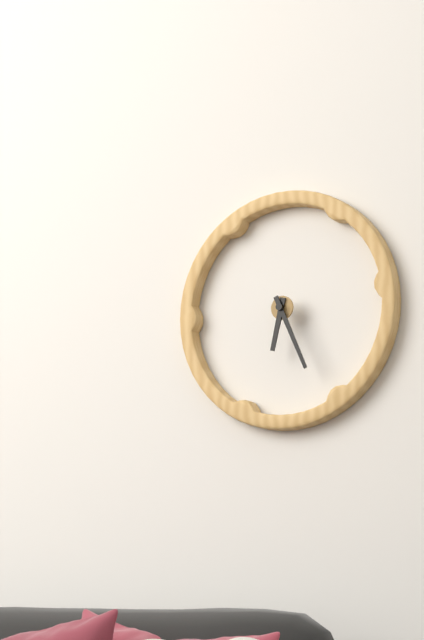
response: 6 h 26 min
